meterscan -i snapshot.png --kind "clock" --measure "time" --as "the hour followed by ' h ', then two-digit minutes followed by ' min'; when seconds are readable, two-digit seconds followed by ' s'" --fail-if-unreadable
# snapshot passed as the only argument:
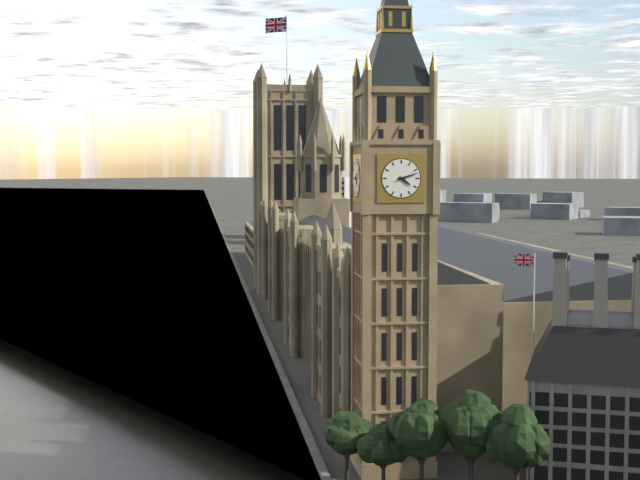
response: 4 h 12 min
